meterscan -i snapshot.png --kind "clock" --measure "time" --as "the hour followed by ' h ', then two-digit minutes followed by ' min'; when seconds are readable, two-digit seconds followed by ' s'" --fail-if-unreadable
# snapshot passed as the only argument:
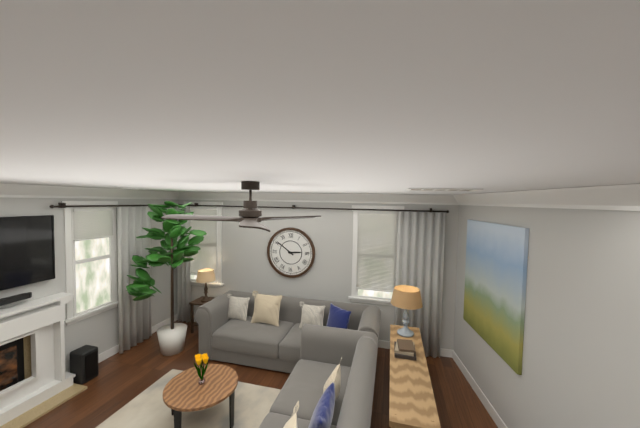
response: 2 h 51 min
